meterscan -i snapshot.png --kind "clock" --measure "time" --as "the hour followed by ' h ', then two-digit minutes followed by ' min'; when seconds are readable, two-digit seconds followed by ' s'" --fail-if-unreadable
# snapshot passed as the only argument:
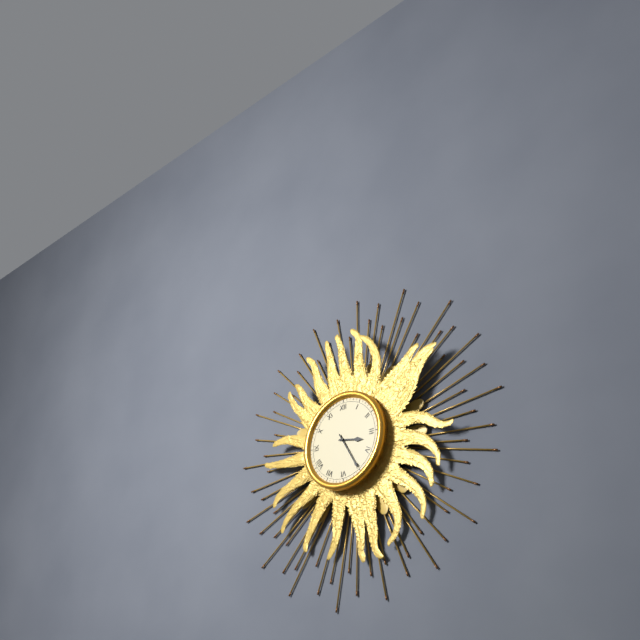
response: 3 h 25 min
